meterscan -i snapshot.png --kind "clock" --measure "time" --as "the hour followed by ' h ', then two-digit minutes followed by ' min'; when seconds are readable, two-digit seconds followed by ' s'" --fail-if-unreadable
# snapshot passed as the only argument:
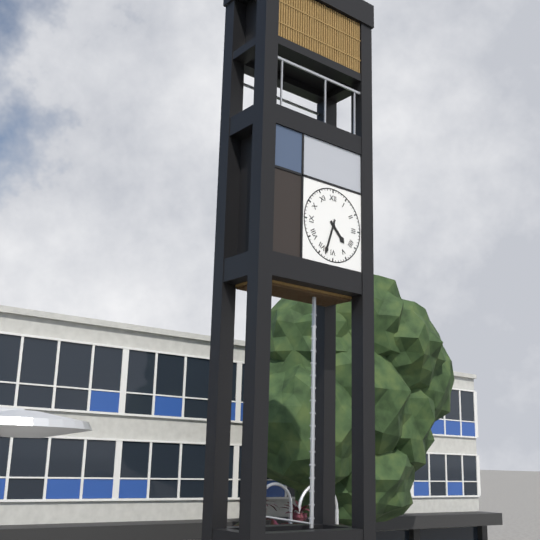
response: 4 h 33 min
